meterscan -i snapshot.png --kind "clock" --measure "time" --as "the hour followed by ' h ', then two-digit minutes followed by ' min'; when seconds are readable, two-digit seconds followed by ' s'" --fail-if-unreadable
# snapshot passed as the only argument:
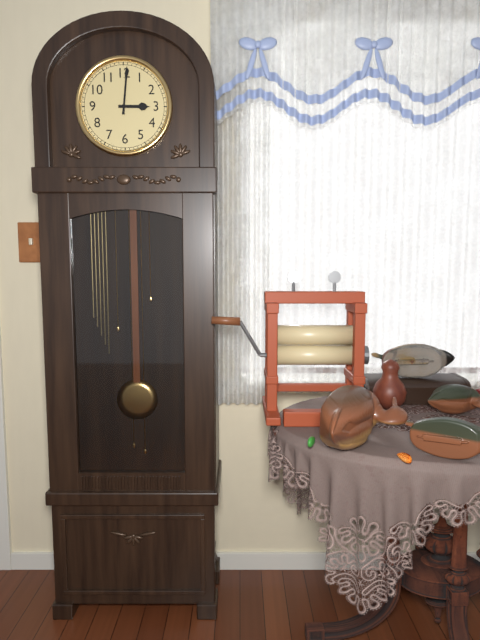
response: 3 h 01 min
